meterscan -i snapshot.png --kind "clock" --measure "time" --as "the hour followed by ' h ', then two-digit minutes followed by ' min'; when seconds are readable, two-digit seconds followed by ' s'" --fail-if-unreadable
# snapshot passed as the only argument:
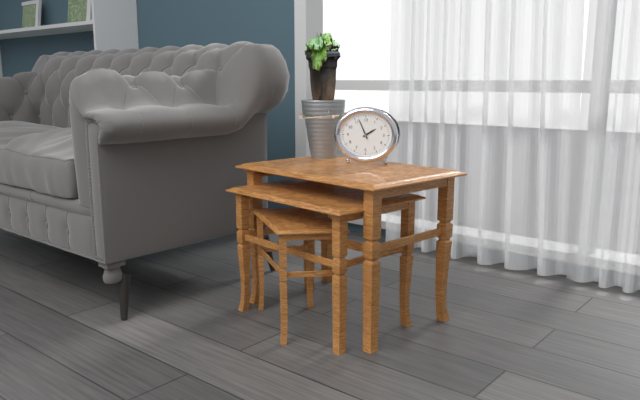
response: 1 h 56 min
